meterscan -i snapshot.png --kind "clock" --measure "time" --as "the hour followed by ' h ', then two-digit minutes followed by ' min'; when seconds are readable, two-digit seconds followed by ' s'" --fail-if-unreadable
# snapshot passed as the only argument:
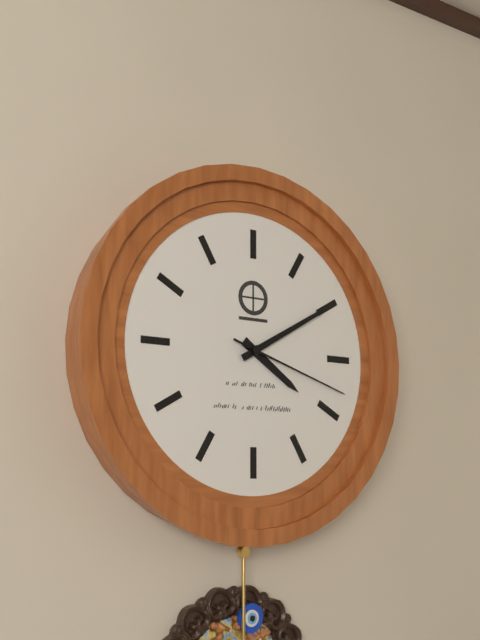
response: 4 h 10 min 18 s
